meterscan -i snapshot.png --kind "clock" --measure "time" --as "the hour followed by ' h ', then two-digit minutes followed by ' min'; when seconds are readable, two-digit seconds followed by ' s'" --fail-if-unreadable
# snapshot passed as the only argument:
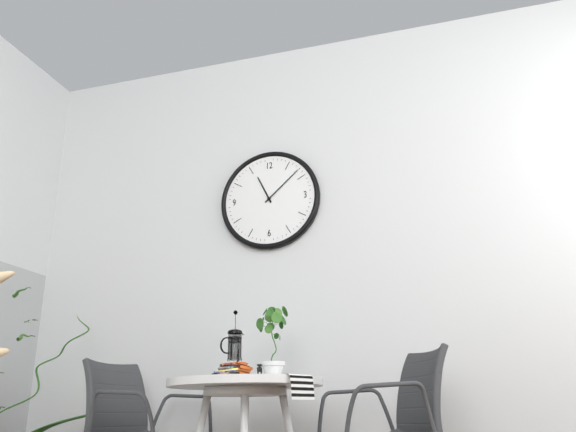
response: 11 h 08 min
